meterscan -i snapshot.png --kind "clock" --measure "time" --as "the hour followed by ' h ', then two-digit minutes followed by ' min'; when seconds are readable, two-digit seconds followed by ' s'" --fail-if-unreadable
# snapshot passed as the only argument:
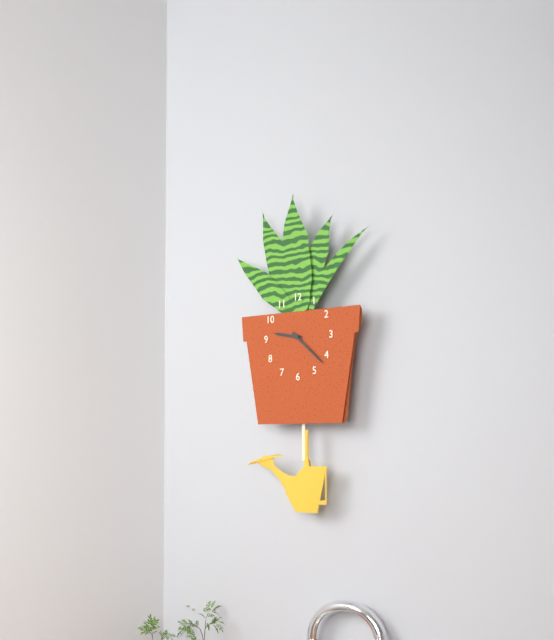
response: 9 h 22 min
